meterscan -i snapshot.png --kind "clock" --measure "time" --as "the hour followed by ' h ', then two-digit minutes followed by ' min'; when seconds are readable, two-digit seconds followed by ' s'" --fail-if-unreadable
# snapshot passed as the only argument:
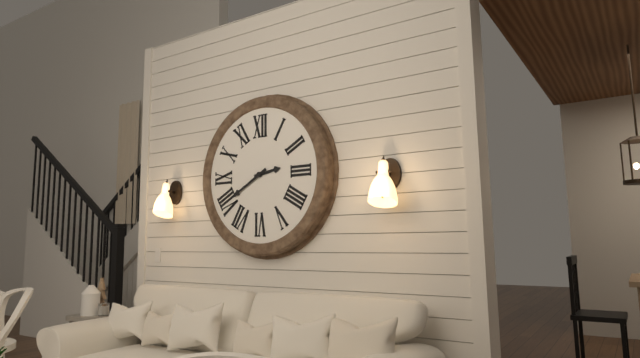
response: 2 h 40 min
